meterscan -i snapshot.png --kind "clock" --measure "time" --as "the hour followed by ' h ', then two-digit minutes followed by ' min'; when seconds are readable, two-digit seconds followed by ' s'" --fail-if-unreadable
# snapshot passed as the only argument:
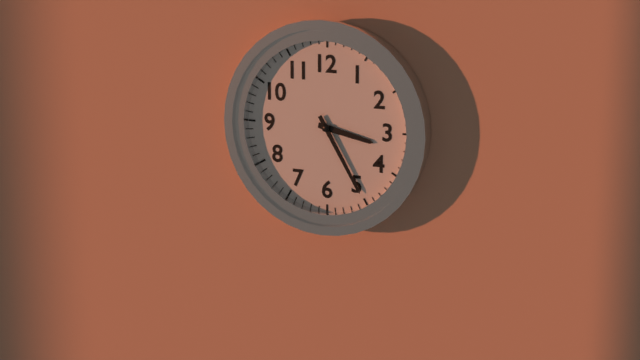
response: 3 h 25 min
